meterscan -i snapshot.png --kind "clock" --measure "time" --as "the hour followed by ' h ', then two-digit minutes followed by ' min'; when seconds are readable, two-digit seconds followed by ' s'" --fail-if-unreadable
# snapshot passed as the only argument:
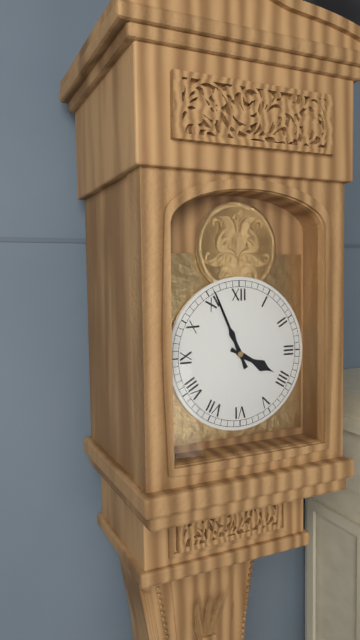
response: 3 h 56 min
